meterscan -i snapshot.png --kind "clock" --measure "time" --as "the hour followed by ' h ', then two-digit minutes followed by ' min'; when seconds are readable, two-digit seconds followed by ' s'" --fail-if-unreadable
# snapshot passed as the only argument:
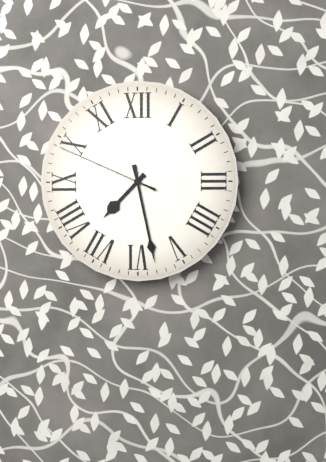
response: 7 h 28 min 49 s
